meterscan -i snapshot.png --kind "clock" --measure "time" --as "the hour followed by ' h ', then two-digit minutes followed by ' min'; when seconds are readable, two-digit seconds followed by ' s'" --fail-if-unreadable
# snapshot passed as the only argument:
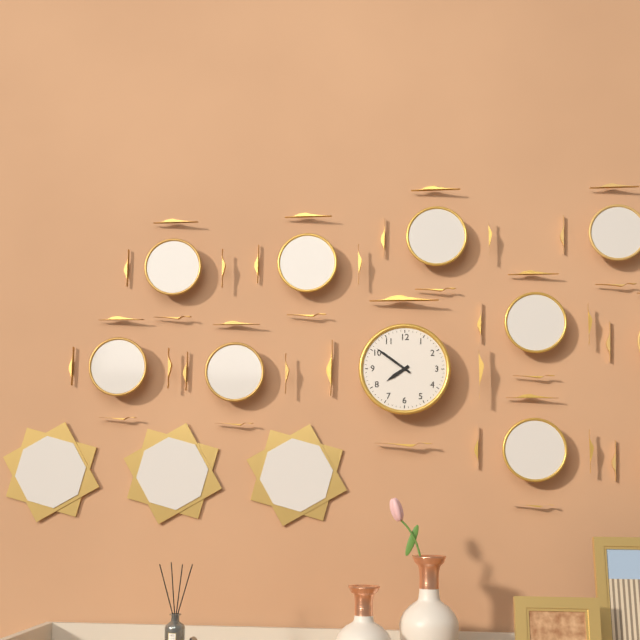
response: 7 h 51 min
